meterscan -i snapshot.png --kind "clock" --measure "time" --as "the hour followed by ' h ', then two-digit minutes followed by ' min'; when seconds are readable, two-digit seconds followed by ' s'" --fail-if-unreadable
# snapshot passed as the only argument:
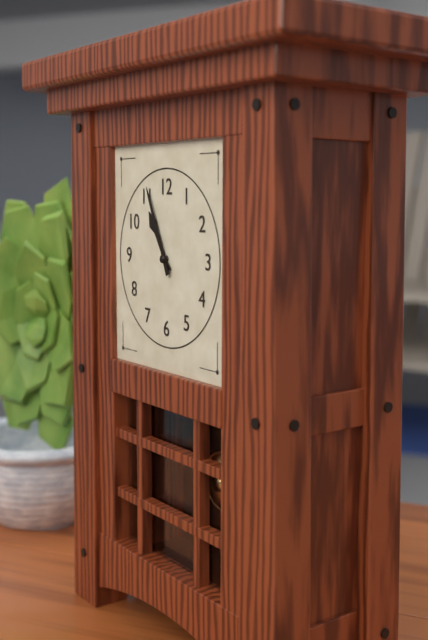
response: 10 h 56 min
